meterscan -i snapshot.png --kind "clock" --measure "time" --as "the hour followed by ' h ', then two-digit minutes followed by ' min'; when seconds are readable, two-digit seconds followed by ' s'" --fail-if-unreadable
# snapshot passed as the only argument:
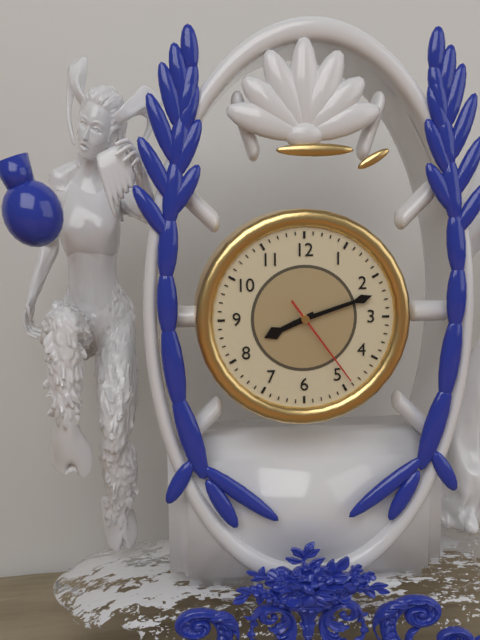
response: 8 h 12 min 24 s
